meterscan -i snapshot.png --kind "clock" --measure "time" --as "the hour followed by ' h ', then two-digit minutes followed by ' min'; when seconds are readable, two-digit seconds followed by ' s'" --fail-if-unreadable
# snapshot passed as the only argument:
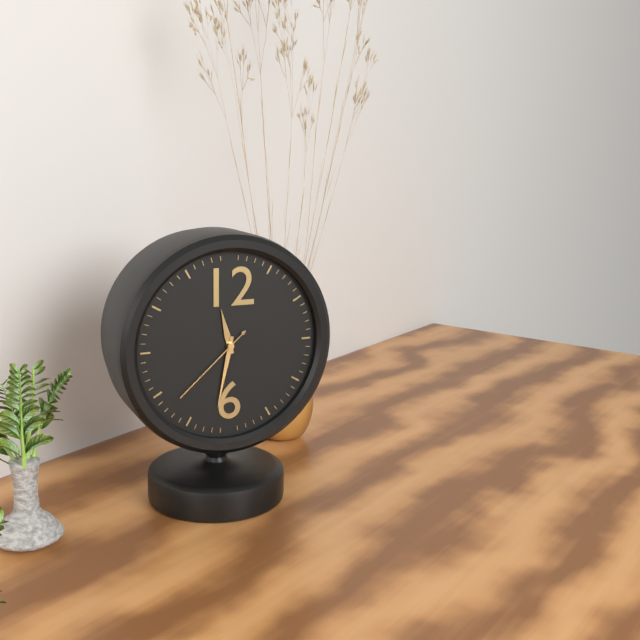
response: 11 h 32 min 38 s
